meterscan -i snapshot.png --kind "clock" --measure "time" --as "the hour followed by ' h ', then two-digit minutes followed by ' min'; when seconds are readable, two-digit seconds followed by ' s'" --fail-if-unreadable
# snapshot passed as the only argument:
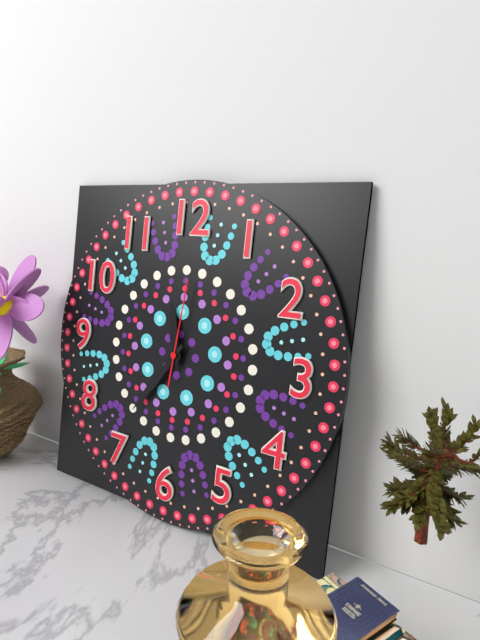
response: 11 h 36 min 01 s
